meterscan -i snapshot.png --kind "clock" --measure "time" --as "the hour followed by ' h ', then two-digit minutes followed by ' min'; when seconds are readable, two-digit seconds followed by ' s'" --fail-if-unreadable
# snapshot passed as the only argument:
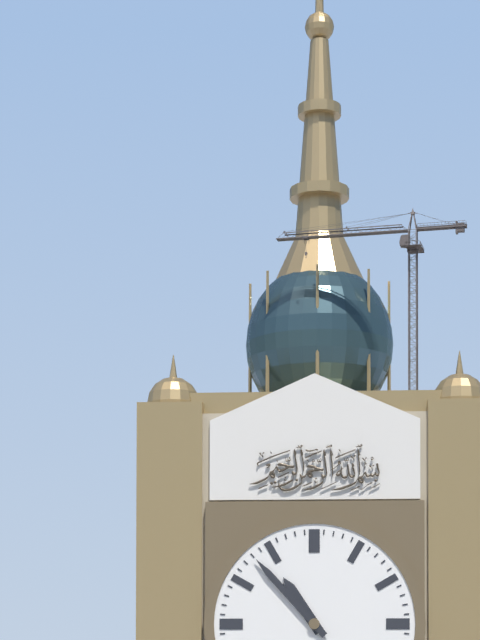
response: 10 h 53 min
